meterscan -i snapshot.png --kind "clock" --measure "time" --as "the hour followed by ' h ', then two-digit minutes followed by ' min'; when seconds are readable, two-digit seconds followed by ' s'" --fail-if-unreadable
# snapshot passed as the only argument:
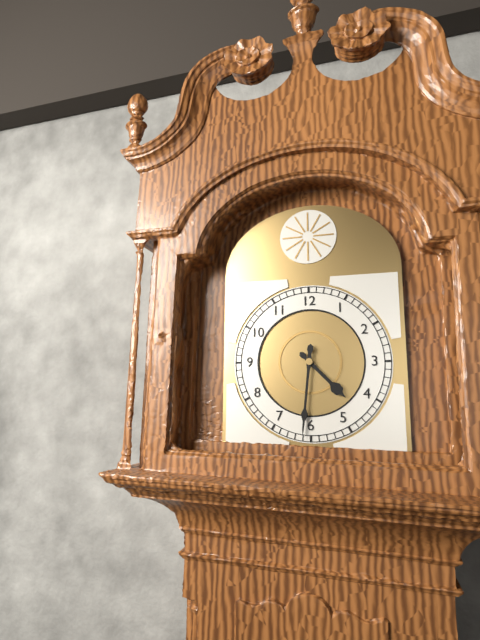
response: 4 h 31 min
